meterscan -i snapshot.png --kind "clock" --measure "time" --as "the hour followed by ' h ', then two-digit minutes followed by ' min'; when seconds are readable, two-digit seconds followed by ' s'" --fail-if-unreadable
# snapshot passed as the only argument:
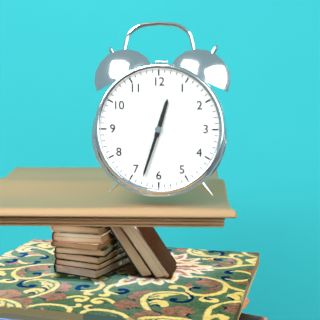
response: 12 h 33 min
